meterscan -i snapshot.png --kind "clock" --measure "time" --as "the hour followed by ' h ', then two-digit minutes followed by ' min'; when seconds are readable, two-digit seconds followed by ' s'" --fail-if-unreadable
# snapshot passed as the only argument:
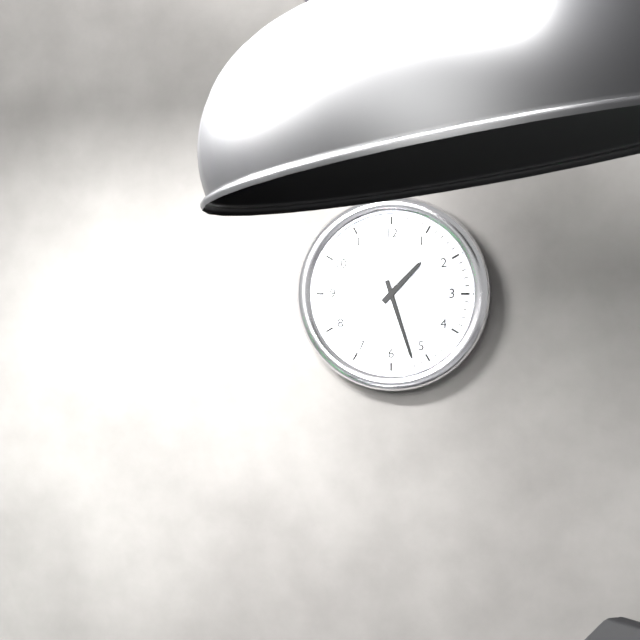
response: 1 h 27 min
